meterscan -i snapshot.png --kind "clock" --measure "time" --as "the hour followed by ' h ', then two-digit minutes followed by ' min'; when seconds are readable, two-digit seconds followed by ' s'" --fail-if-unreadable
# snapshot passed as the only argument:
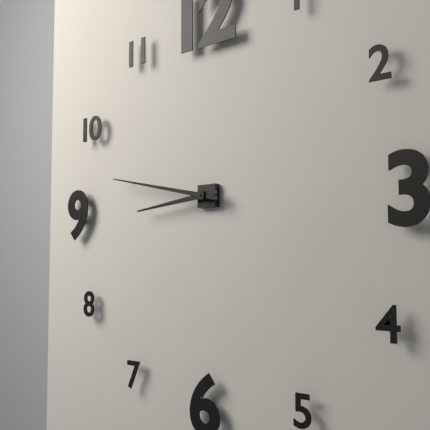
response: 8 h 47 min
